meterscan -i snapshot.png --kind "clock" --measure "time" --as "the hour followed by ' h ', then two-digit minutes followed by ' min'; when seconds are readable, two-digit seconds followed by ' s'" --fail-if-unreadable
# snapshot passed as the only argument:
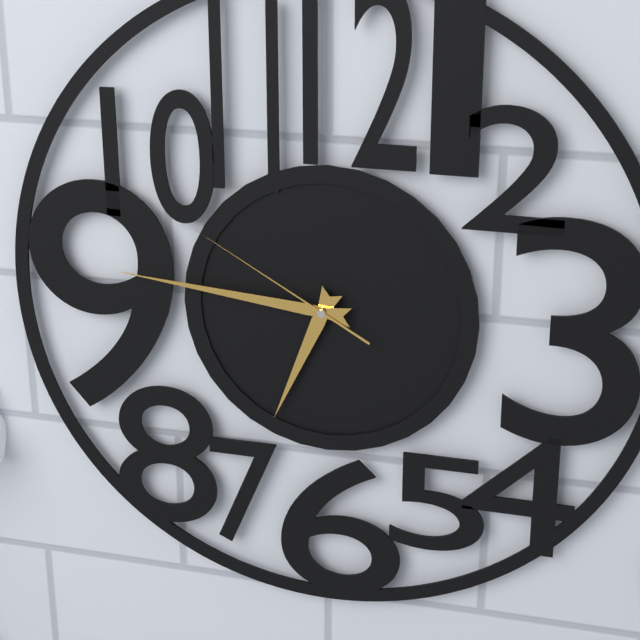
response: 6 h 46 min 50 s
